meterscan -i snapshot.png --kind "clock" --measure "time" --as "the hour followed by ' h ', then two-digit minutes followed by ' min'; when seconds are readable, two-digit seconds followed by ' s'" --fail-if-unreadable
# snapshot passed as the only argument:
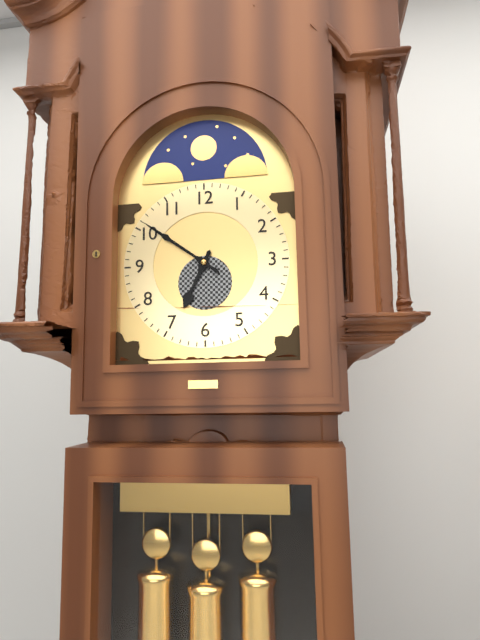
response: 6 h 51 min
